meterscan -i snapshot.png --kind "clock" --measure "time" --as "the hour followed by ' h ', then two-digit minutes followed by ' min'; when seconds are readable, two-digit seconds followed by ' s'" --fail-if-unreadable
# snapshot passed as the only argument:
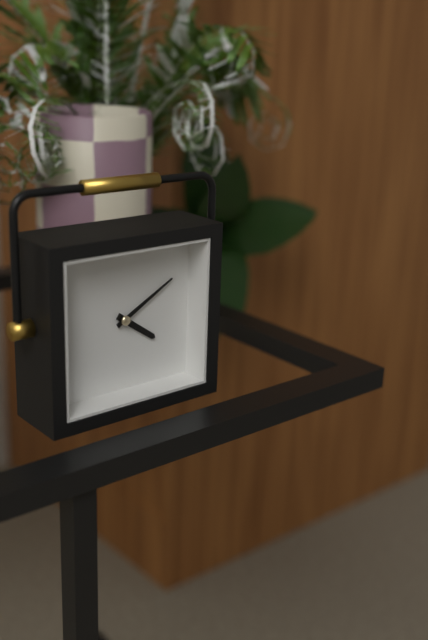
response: 4 h 10 min
